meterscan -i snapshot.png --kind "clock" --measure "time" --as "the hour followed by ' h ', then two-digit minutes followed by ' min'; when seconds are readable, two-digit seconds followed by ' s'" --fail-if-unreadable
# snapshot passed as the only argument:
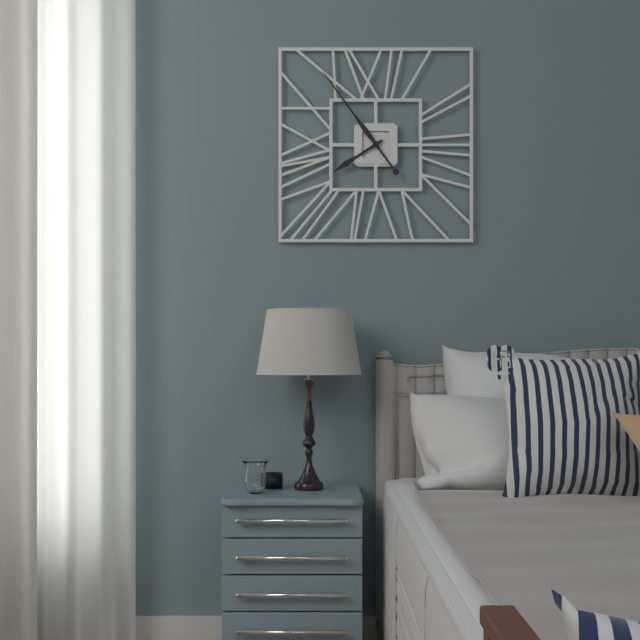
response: 7 h 54 min
